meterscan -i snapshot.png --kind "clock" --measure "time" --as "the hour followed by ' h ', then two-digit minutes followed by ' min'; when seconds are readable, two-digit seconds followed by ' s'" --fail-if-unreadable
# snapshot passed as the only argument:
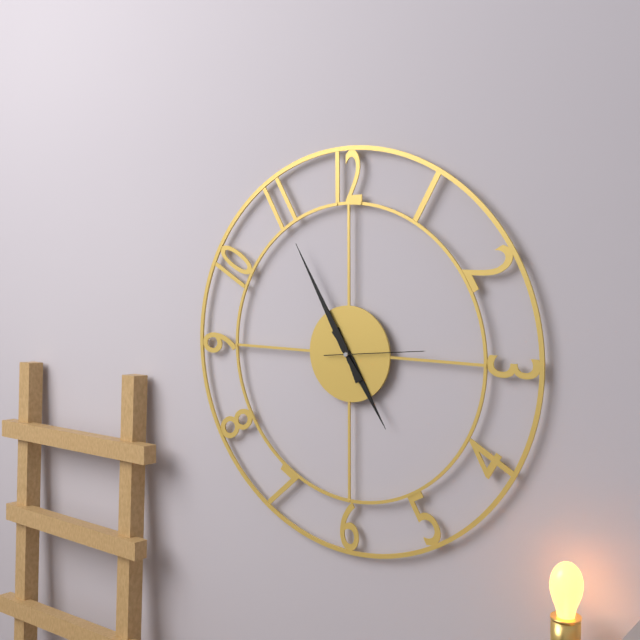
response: 4 h 55 min 14 s
